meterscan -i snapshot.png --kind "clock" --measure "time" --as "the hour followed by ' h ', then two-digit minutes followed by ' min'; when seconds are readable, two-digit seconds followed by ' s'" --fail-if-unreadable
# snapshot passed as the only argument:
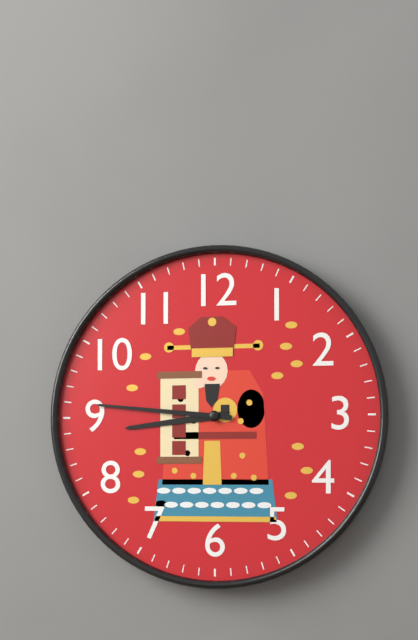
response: 8 h 46 min
